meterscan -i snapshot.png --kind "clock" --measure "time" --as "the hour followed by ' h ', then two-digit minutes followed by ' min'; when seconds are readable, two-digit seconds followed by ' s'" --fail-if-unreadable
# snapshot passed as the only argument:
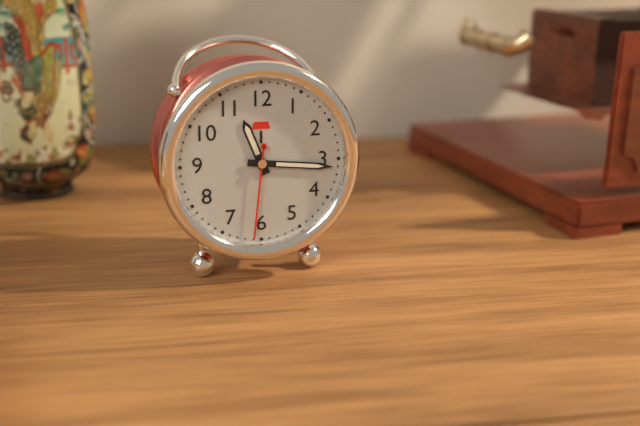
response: 11 h 16 min 31 s
